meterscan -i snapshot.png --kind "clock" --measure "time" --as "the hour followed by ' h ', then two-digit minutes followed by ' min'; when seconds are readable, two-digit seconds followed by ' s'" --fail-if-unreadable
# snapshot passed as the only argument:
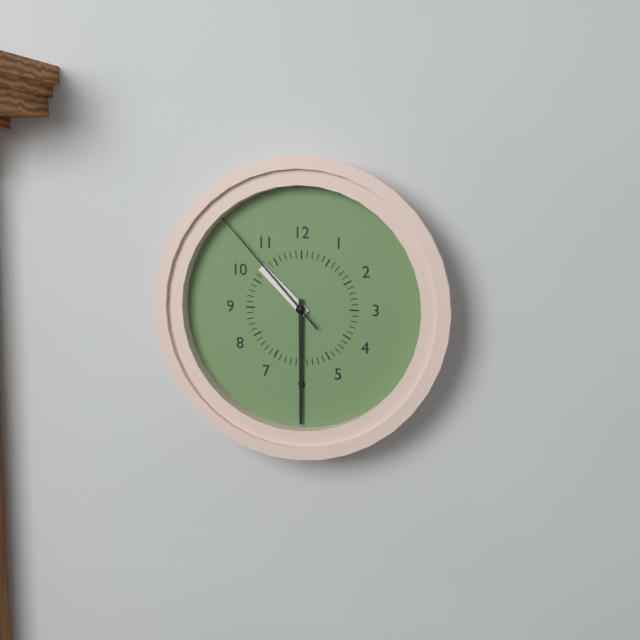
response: 10 h 30 min 53 s
